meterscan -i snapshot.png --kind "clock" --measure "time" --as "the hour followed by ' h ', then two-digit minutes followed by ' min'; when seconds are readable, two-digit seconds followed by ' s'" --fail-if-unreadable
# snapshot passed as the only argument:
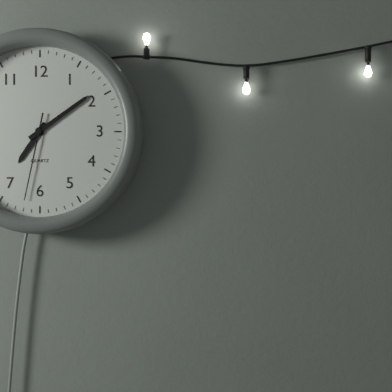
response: 7 h 09 min 32 s
